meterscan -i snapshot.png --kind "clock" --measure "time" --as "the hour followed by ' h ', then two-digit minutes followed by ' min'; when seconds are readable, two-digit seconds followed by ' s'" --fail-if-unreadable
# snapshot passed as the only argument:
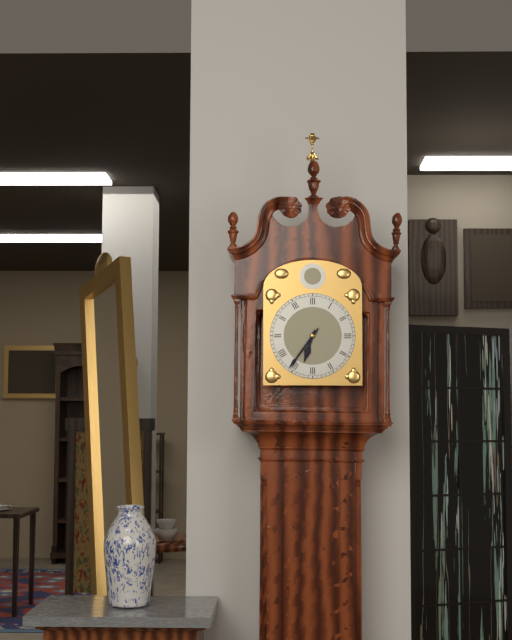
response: 6 h 36 min
